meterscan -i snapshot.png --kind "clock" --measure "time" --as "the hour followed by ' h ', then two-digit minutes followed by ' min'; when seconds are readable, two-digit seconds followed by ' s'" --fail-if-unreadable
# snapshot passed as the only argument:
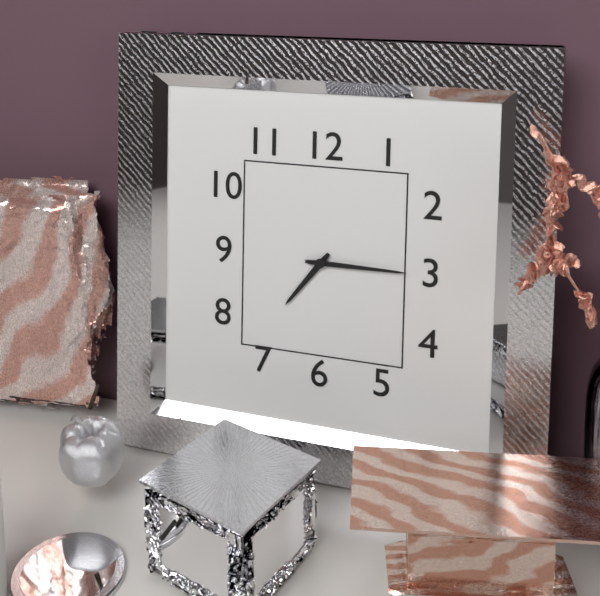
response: 7 h 15 min
